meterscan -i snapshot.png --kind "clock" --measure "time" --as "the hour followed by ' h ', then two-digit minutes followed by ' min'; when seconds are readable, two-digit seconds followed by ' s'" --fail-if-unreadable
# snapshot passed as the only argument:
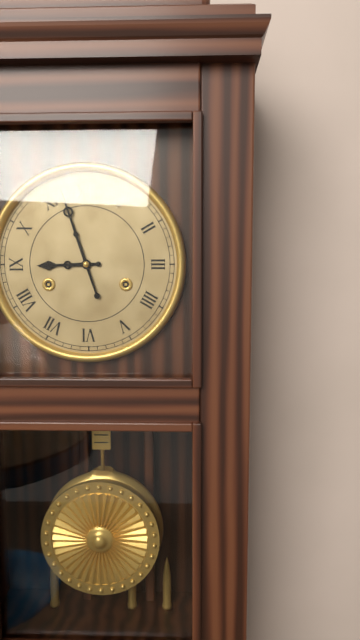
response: 8 h 57 min
